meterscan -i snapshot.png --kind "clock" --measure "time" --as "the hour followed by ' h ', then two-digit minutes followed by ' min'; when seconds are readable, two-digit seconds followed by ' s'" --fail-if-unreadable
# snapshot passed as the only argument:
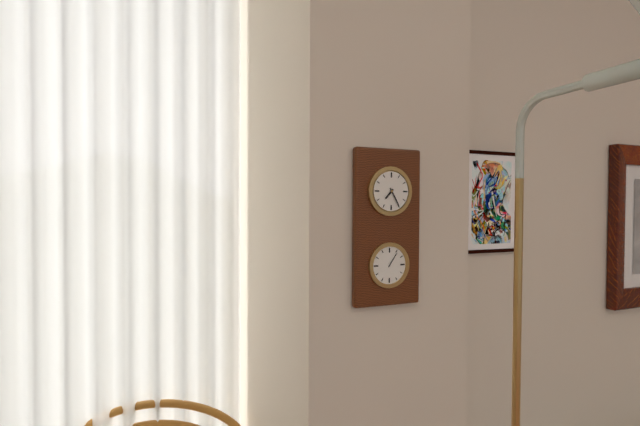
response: 7 h 25 min
